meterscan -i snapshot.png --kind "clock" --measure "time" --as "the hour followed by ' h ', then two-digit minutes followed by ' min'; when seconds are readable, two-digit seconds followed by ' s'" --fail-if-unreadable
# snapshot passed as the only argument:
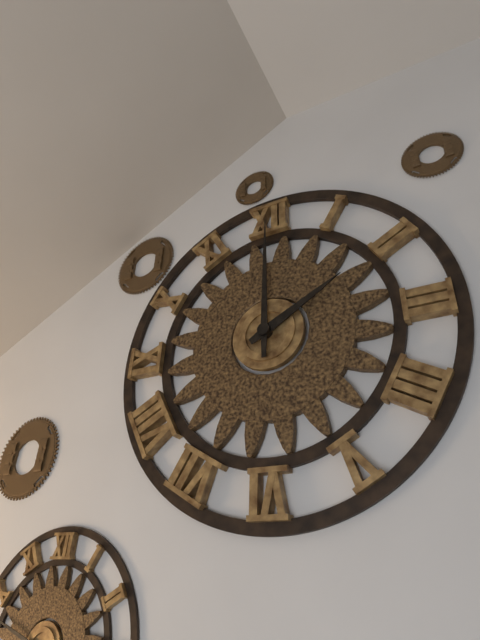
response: 2 h 00 min
